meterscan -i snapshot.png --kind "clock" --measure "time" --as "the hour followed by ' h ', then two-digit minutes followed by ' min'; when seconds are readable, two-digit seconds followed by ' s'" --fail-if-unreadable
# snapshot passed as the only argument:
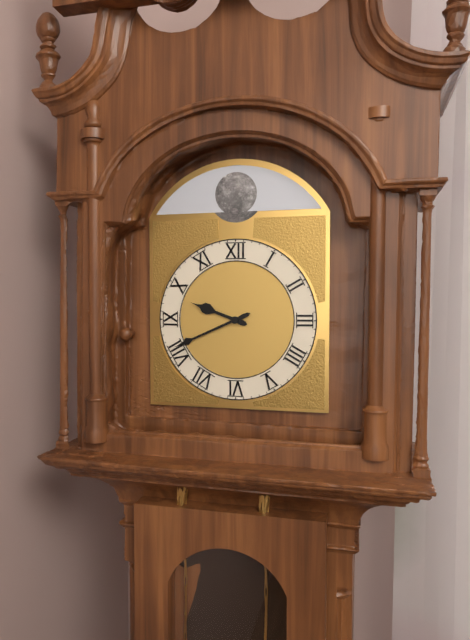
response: 9 h 41 min
